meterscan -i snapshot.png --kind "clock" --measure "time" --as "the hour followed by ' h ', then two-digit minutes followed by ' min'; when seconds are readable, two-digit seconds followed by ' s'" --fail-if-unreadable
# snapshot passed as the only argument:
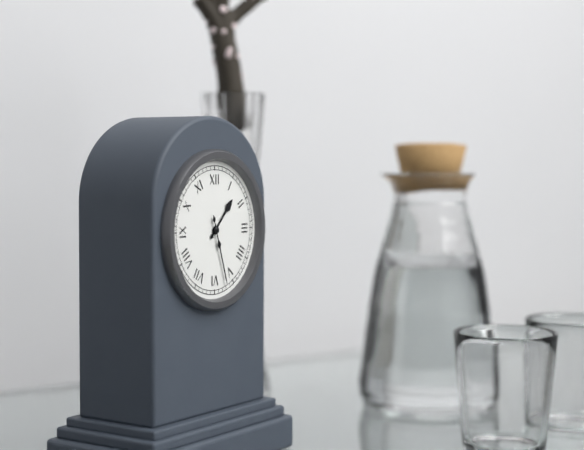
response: 1 h 27 min
